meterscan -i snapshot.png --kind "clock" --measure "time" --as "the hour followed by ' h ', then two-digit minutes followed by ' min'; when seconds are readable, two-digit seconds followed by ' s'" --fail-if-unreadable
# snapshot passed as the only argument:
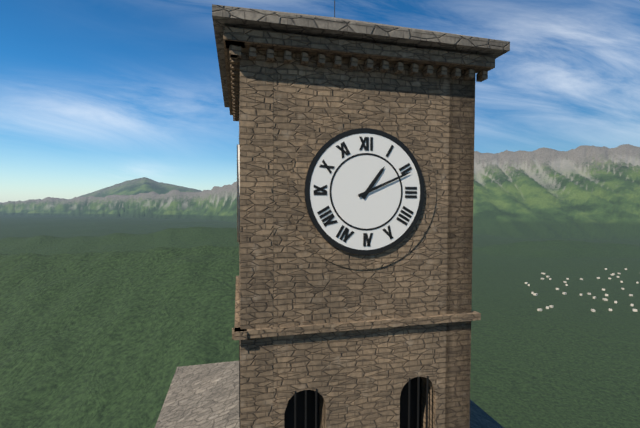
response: 1 h 11 min
